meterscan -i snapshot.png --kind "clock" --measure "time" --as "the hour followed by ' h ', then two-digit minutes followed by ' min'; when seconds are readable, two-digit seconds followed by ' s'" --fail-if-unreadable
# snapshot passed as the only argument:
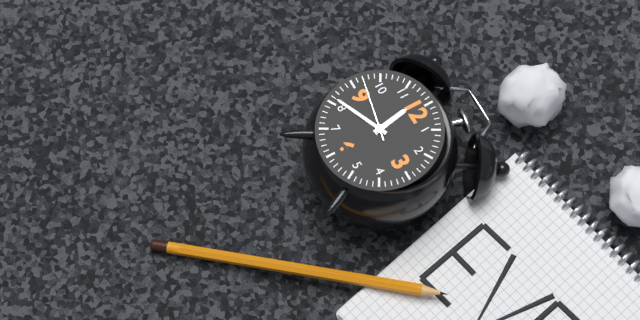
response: 11 h 41 min 47 s
